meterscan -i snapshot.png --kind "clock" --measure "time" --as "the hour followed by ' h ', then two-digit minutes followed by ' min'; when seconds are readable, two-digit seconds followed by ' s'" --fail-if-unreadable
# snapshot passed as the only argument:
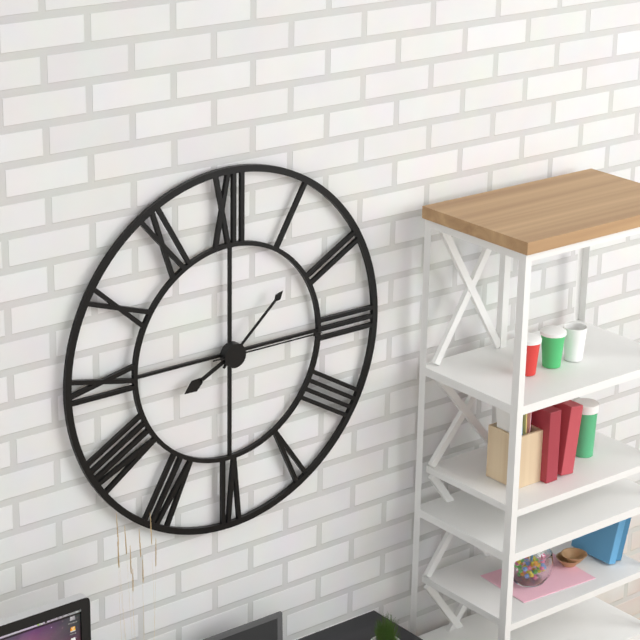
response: 8 h 08 min 15 s
